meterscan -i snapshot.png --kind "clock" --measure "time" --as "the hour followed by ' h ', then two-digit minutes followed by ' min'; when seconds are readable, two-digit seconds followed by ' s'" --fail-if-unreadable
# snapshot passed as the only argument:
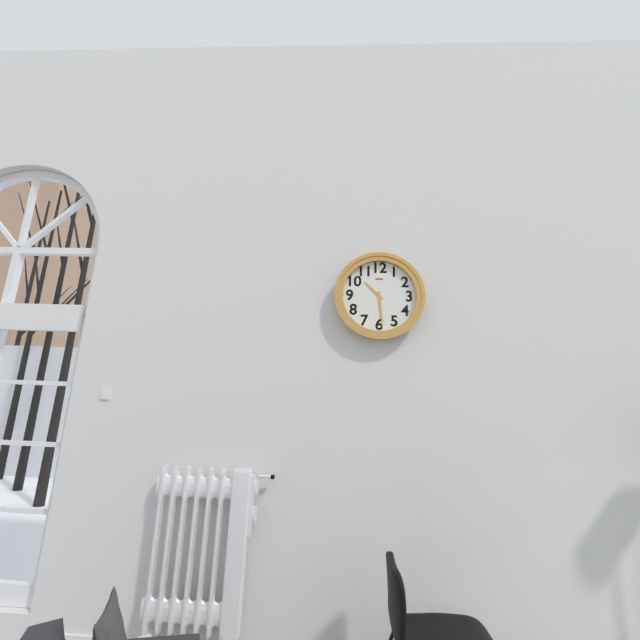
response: 10 h 29 min
